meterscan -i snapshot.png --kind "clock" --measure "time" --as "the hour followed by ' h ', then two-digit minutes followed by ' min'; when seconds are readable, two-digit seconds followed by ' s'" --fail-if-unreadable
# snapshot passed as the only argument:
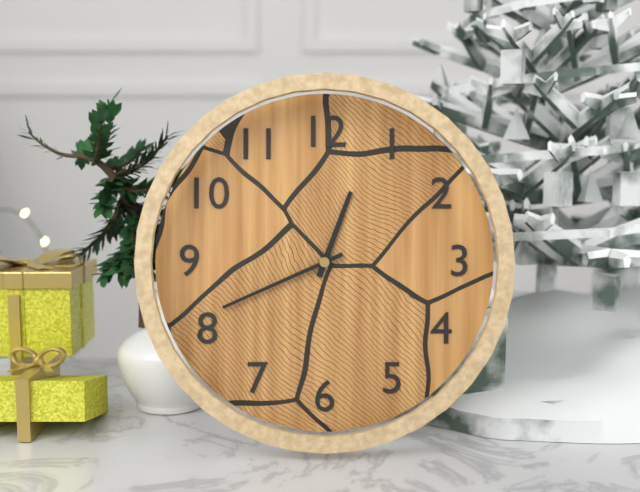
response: 12 h 41 min
